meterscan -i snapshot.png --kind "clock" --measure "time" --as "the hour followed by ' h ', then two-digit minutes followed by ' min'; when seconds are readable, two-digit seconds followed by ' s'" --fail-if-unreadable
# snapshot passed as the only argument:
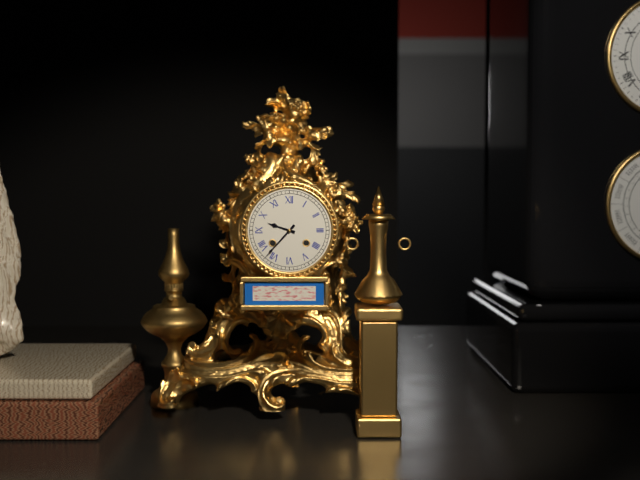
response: 9 h 37 min
